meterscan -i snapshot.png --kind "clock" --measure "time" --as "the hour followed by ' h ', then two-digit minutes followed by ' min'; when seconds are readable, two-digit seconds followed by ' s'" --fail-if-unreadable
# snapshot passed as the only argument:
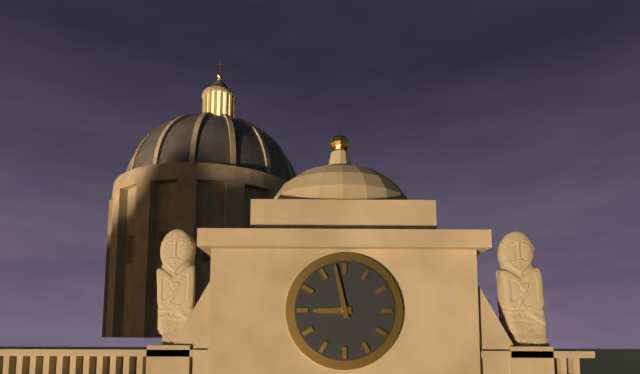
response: 8 h 58 min
